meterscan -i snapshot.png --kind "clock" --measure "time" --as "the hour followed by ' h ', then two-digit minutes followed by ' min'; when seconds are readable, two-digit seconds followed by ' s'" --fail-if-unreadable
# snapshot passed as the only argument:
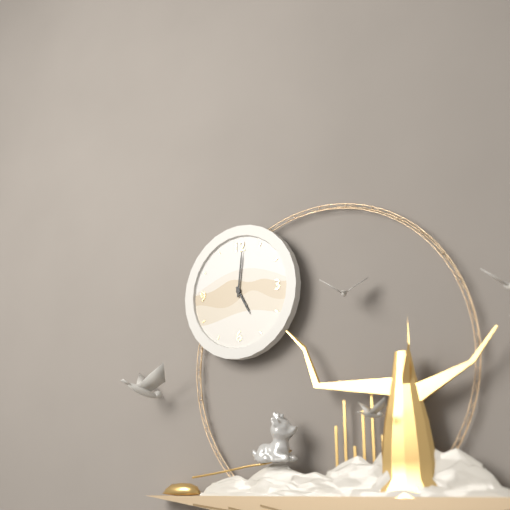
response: 5 h 01 min
